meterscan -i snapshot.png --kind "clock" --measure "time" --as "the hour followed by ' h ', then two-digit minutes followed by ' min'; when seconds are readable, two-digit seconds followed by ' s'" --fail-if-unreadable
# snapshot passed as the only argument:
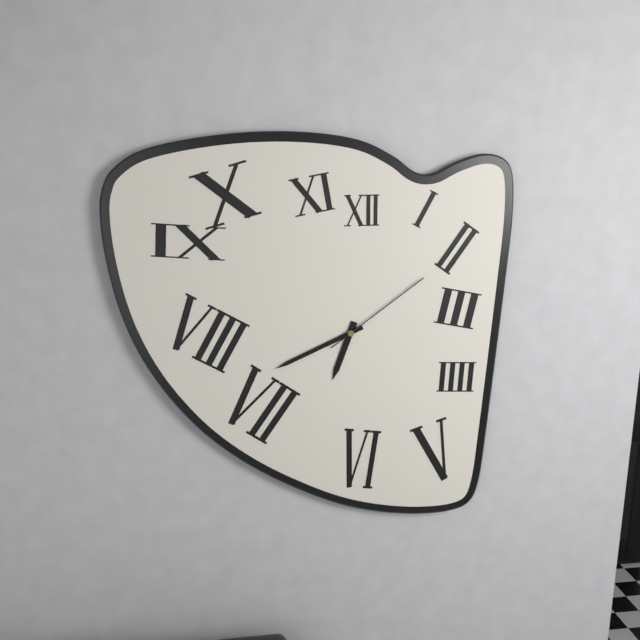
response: 6 h 41 min 09 s
